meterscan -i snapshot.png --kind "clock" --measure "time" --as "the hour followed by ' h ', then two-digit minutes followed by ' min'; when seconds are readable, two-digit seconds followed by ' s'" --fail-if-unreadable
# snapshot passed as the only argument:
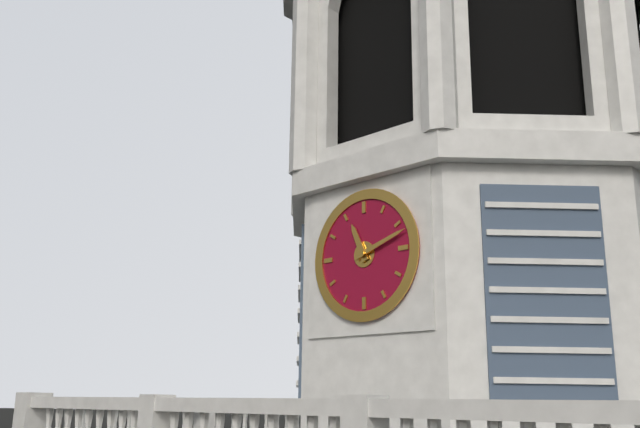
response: 11 h 12 min
